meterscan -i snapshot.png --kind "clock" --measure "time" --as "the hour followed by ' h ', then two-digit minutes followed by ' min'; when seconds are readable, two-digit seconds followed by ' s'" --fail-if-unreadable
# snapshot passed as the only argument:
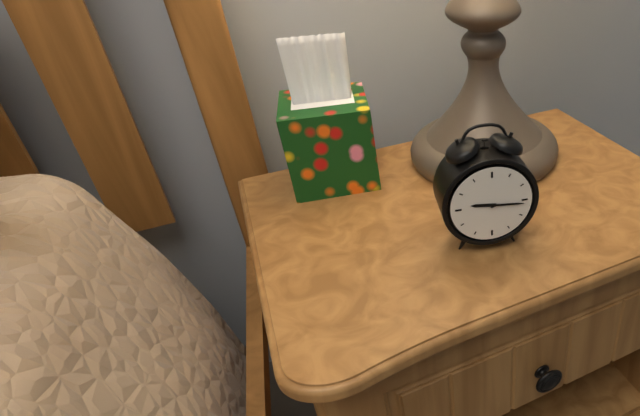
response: 9 h 16 min
